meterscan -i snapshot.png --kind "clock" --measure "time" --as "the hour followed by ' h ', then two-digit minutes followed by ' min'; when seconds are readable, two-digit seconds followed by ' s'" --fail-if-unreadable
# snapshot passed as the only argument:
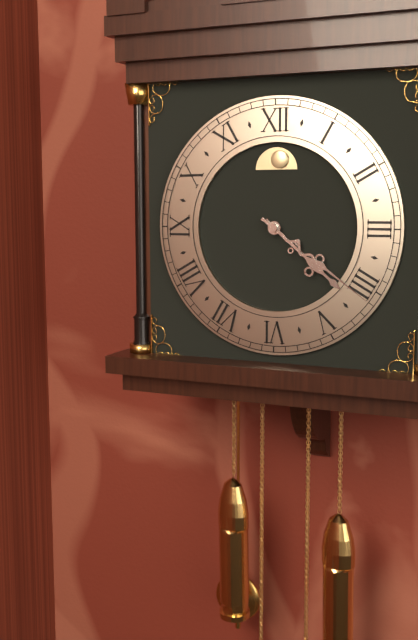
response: 4 h 21 min
